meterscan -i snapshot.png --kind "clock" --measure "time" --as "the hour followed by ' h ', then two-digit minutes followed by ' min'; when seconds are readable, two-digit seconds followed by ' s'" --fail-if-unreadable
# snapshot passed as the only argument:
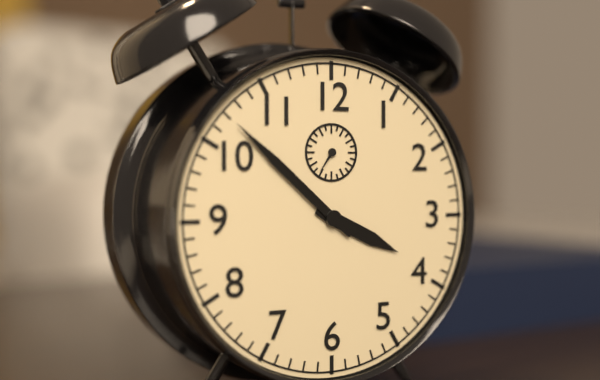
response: 3 h 52 min
